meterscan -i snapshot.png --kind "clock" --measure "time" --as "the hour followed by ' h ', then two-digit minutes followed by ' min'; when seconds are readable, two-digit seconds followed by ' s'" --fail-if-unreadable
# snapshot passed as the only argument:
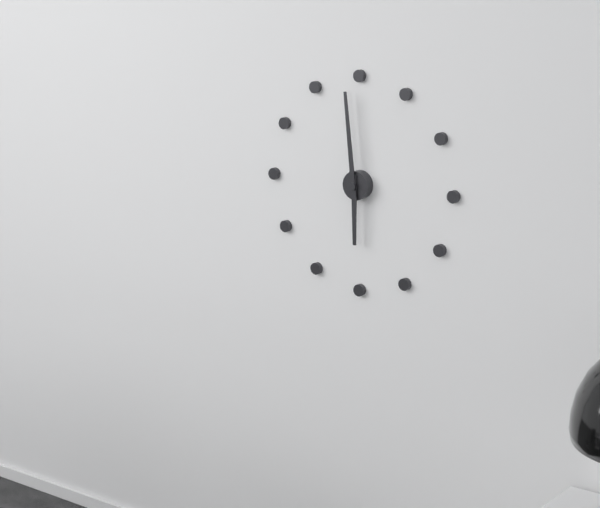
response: 5 h 59 min
